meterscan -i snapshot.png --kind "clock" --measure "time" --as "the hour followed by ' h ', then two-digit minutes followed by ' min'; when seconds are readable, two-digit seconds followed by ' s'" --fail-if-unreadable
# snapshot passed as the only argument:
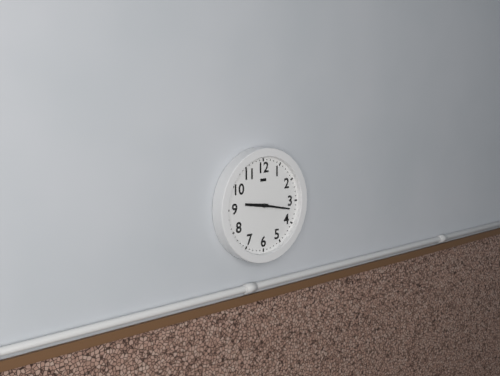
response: 9 h 17 min
